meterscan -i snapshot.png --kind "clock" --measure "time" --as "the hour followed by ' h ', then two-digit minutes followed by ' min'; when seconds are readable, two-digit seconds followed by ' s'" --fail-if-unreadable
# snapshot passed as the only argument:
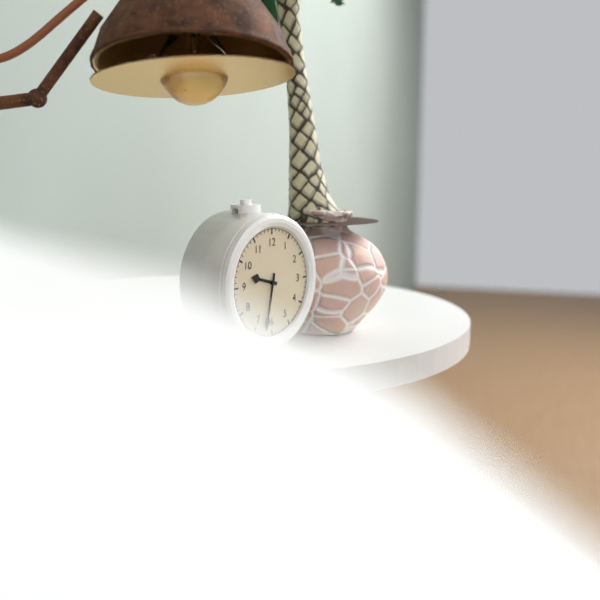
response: 9 h 32 min
